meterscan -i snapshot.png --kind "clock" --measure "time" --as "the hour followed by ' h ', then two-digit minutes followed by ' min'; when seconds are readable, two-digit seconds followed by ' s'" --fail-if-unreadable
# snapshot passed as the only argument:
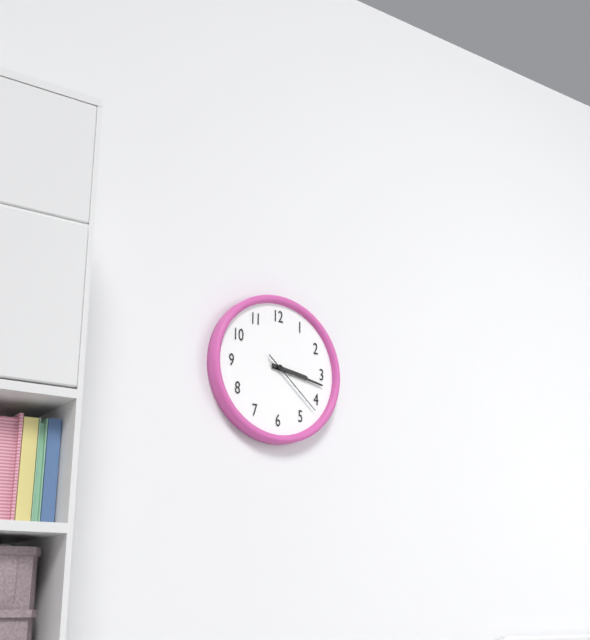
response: 3 h 17 min 22 s
